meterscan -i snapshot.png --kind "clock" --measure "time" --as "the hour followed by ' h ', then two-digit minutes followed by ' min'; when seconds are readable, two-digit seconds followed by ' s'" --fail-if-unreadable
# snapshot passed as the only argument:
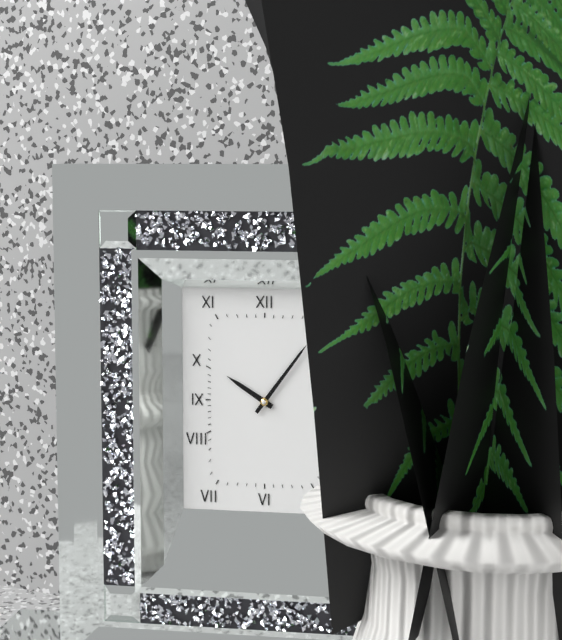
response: 10 h 06 min
